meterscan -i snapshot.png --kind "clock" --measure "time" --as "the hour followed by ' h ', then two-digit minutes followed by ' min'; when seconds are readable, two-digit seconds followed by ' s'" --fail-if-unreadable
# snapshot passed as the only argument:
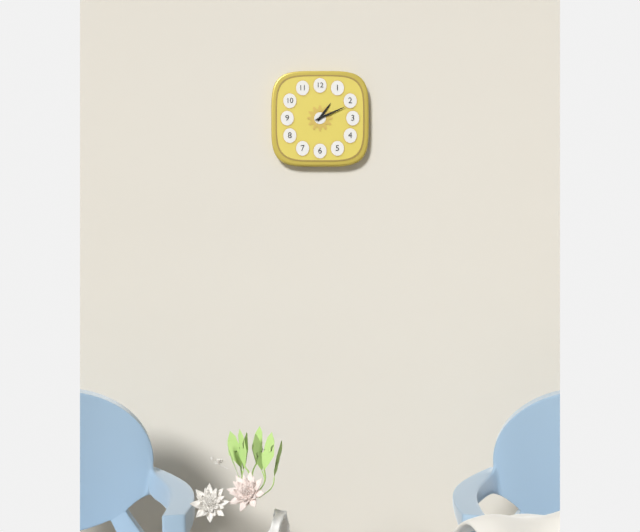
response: 1 h 11 min
